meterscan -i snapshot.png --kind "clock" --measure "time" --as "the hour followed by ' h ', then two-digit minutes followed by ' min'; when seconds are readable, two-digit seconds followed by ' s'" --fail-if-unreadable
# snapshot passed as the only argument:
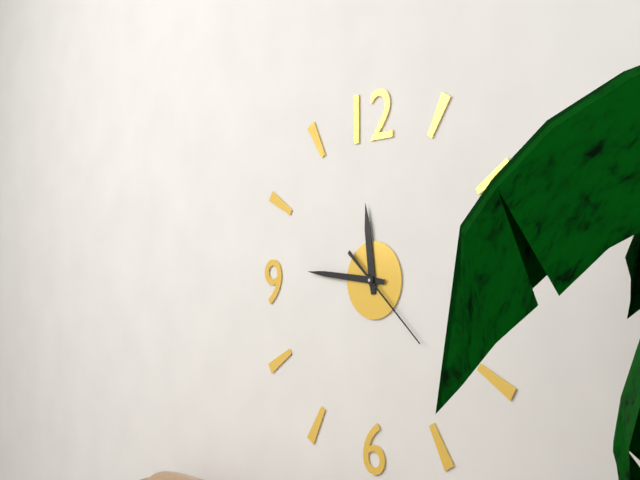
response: 11 h 46 min 22 s
